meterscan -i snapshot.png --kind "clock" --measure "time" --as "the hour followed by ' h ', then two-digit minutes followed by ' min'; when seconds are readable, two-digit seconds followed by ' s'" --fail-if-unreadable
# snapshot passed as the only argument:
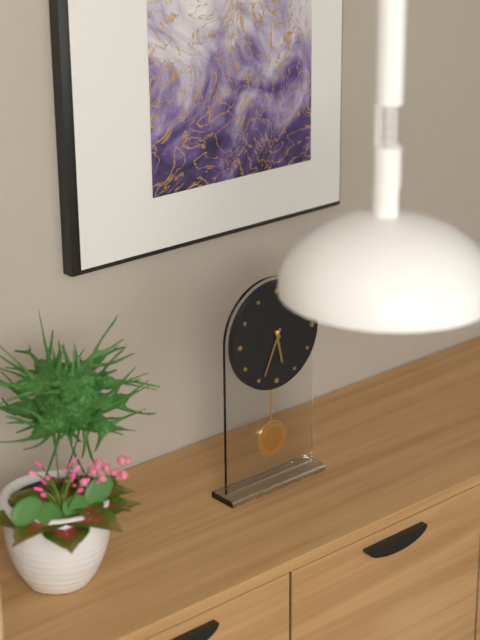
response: 5 h 34 min
